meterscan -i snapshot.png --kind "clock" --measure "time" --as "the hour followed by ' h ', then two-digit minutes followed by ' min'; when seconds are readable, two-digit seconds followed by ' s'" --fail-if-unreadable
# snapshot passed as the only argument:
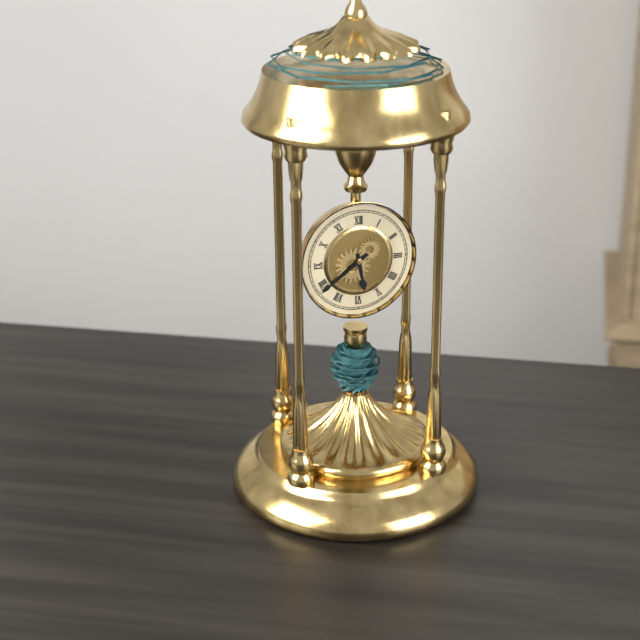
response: 5 h 39 min
